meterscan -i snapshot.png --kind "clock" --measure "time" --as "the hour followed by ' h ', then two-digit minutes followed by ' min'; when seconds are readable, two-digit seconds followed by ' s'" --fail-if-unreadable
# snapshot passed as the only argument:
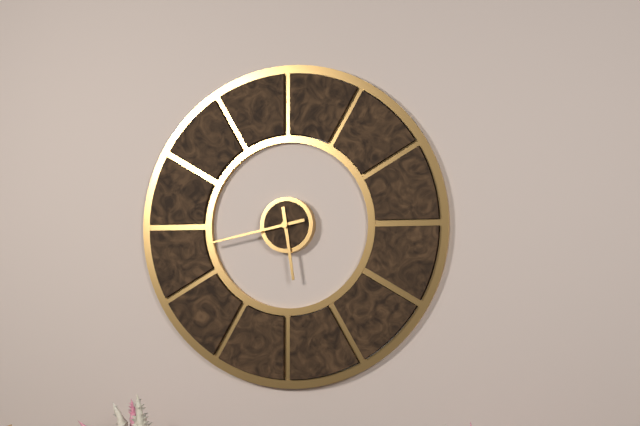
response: 5 h 43 min
